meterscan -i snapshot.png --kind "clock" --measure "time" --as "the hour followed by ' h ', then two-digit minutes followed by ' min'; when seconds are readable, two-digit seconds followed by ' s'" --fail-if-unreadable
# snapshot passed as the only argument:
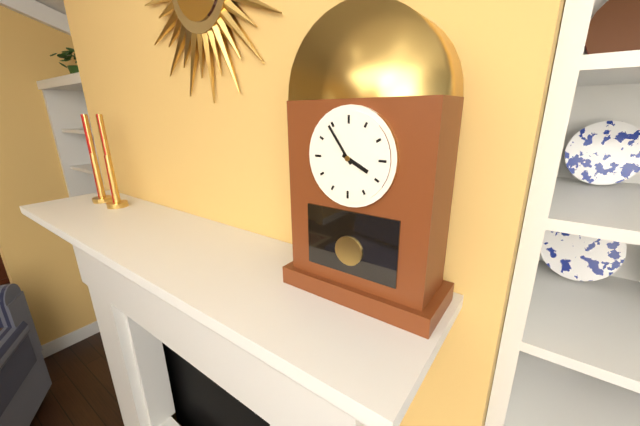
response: 3 h 54 min
